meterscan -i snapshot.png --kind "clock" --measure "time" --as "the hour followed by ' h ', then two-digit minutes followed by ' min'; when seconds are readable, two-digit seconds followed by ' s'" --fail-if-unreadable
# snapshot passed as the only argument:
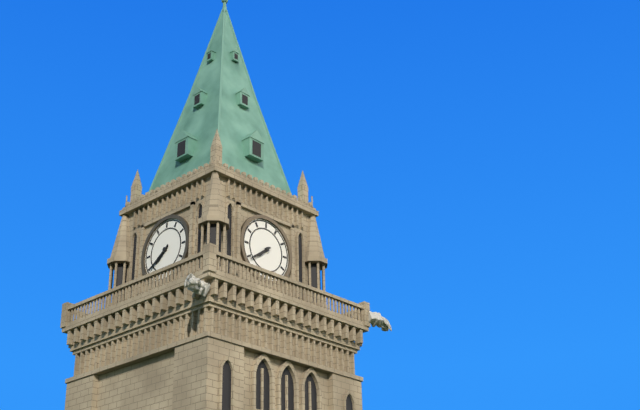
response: 7 h 39 min
